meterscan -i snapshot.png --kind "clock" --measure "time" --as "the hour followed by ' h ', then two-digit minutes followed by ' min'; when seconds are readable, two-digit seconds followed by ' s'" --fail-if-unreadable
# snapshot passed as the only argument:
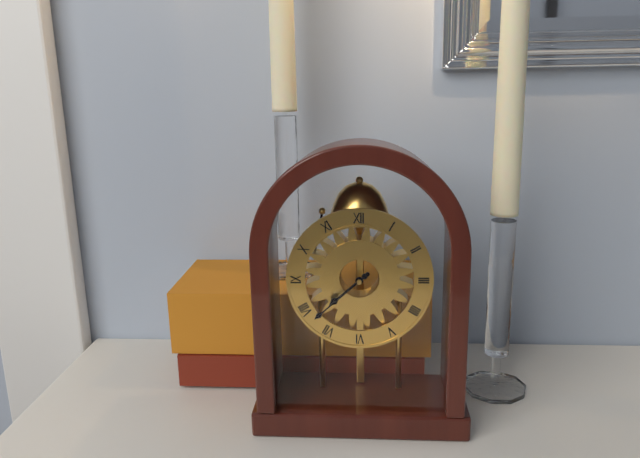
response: 7 h 38 min
